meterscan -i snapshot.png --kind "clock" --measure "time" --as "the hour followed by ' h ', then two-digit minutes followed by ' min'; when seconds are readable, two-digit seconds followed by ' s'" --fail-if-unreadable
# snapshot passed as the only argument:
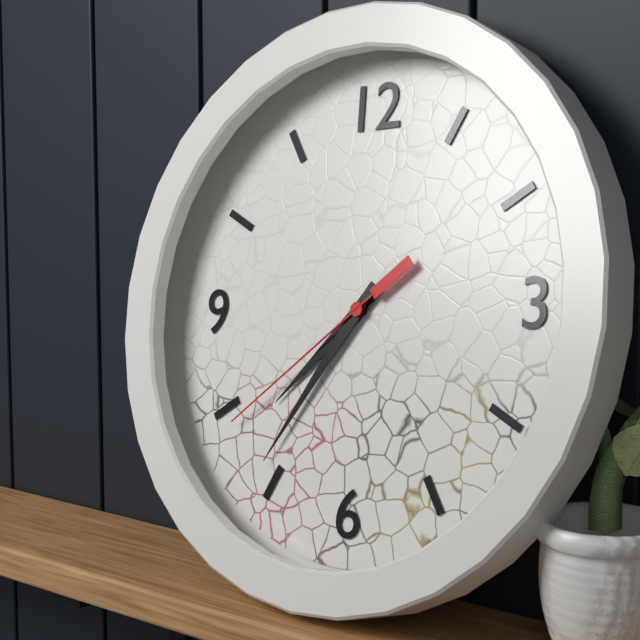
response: 7 h 36 min 39 s
